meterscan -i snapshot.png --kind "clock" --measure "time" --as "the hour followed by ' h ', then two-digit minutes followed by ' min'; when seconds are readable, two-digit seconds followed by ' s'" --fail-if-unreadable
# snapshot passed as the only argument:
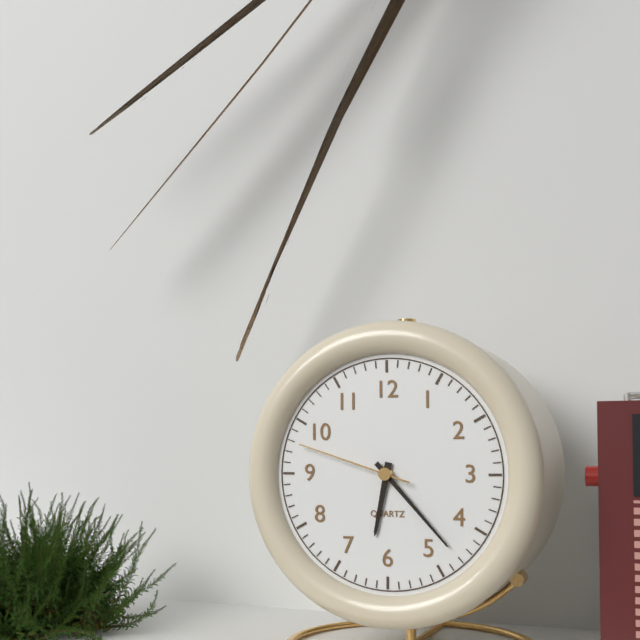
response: 6 h 23 min 48 s
